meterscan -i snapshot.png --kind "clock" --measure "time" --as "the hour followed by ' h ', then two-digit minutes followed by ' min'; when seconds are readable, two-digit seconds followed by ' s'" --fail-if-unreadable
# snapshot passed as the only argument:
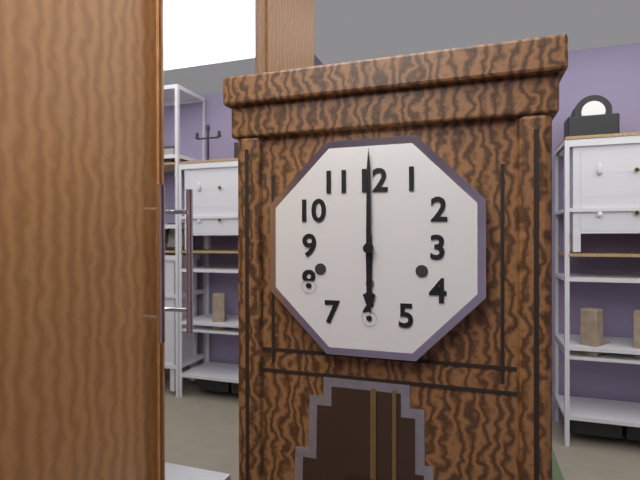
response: 6 h 00 min
